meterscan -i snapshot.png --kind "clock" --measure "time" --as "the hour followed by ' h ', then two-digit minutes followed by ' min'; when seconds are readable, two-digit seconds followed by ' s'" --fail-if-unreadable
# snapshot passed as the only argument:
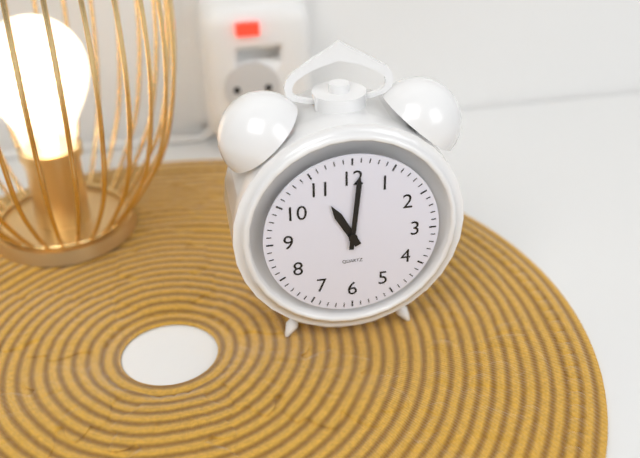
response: 11 h 01 min
